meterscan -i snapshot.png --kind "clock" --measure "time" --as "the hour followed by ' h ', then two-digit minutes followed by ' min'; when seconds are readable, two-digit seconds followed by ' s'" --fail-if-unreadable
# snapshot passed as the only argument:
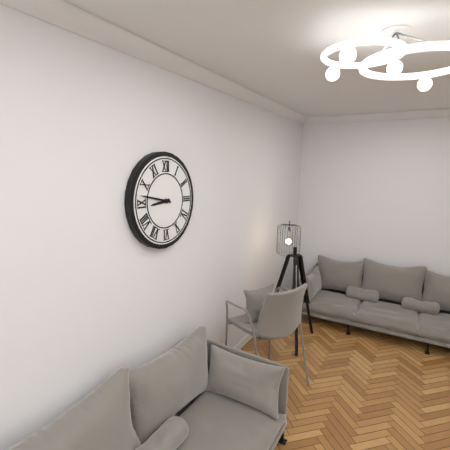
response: 8 h 47 min
